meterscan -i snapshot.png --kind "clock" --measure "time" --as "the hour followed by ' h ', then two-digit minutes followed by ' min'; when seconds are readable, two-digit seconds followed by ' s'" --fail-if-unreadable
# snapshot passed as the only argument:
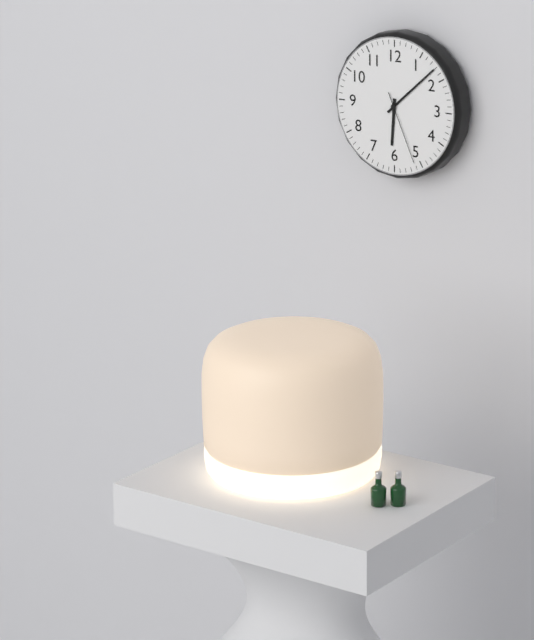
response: 6 h 08 min 26 s
